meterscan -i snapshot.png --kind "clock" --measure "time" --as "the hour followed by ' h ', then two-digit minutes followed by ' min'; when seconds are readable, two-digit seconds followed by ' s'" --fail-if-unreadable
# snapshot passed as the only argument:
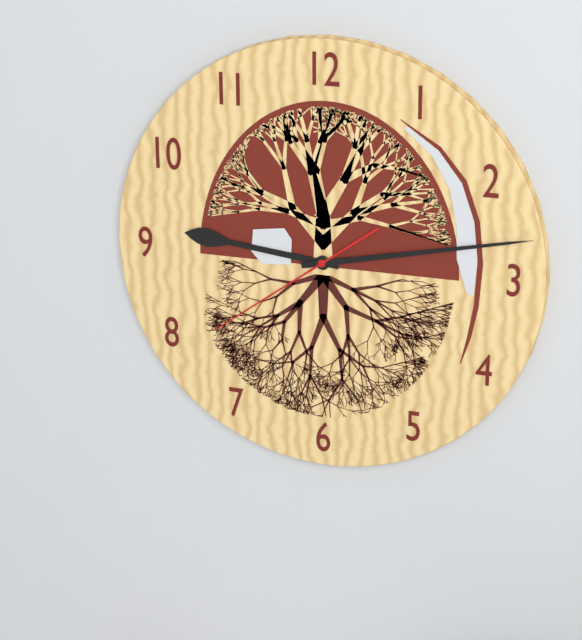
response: 9 h 13 min 39 s
